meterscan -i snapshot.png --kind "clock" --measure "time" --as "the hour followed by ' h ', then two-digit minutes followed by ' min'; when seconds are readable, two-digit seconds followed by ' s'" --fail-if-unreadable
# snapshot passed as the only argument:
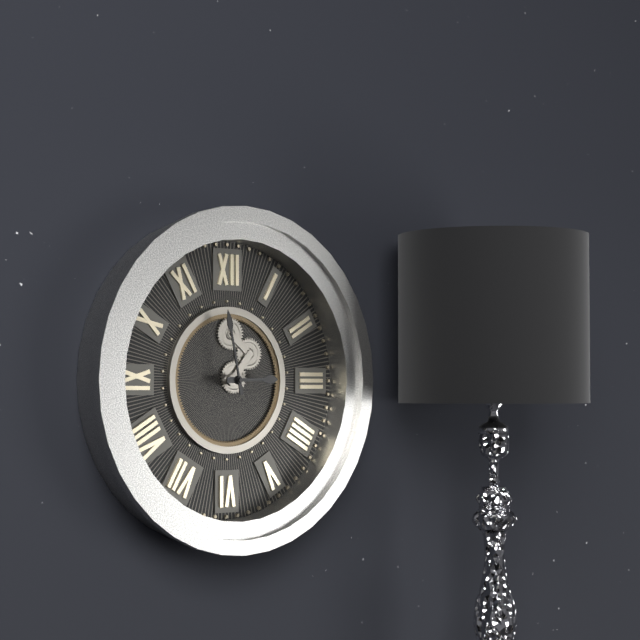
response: 2 h 58 min
